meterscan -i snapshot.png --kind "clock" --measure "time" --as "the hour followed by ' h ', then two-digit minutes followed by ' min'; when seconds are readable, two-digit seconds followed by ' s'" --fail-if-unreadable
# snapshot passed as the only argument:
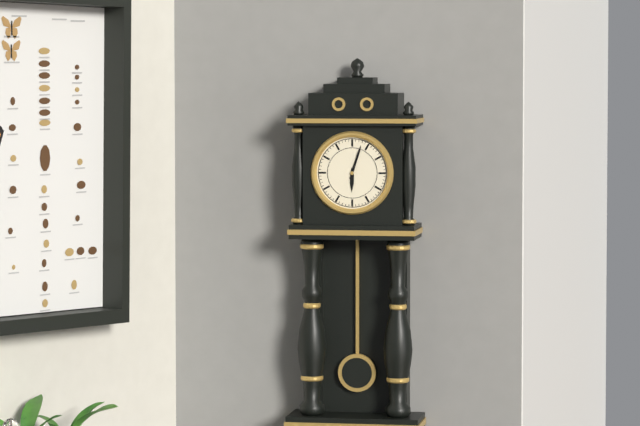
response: 6 h 03 min
